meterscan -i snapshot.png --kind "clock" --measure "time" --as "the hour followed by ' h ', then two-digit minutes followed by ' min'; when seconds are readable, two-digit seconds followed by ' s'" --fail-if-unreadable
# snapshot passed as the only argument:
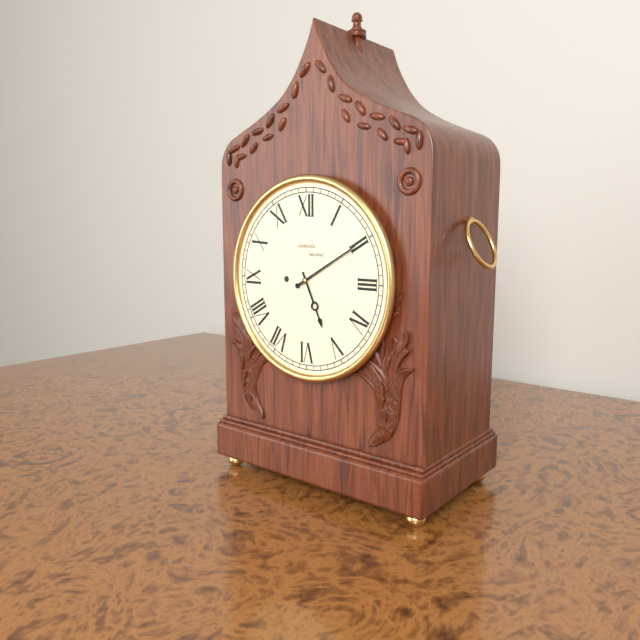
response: 5 h 10 min
